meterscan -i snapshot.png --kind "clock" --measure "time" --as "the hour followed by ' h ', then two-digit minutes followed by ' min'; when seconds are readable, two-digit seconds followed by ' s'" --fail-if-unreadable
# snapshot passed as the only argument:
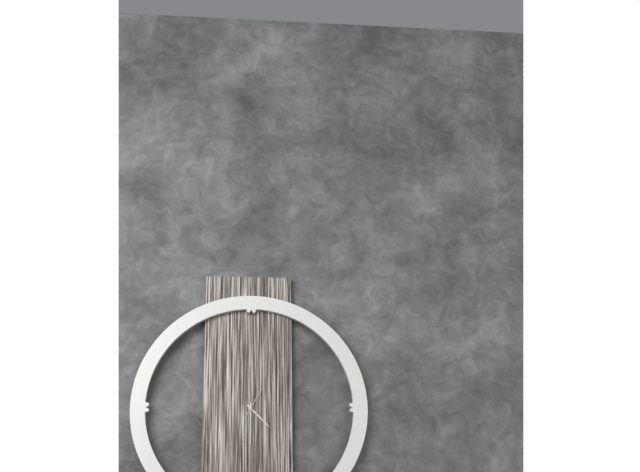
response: 4 h 30 min
